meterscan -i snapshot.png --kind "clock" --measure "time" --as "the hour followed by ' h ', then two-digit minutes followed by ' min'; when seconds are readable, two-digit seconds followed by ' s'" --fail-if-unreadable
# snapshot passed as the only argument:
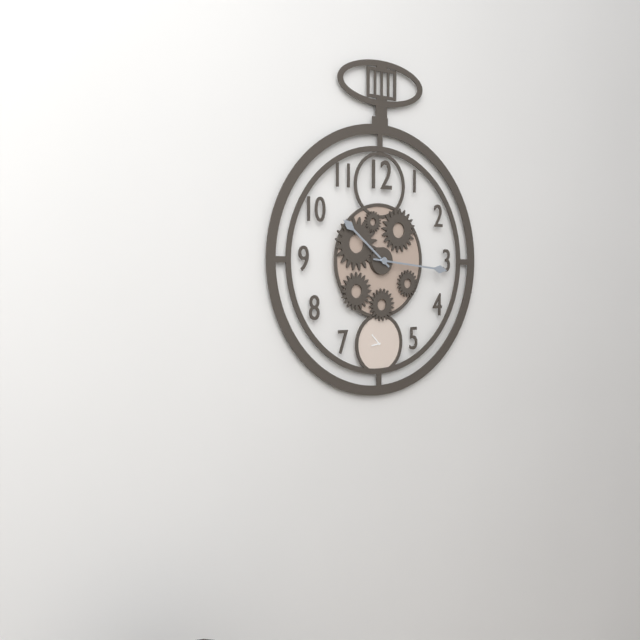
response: 10 h 16 min
